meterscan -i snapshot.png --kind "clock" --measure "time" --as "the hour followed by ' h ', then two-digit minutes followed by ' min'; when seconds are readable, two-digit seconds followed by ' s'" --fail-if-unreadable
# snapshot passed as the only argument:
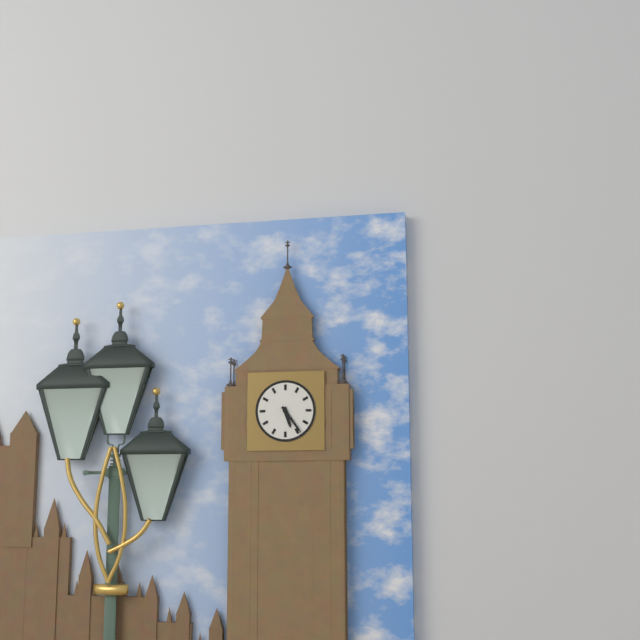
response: 5 h 24 min
